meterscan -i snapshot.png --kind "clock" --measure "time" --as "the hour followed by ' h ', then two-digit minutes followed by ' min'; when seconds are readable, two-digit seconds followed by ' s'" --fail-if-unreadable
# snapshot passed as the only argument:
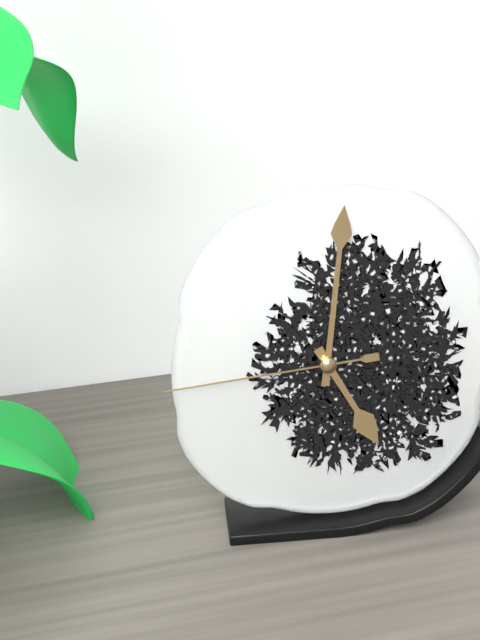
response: 5 h 01 min 44 s
